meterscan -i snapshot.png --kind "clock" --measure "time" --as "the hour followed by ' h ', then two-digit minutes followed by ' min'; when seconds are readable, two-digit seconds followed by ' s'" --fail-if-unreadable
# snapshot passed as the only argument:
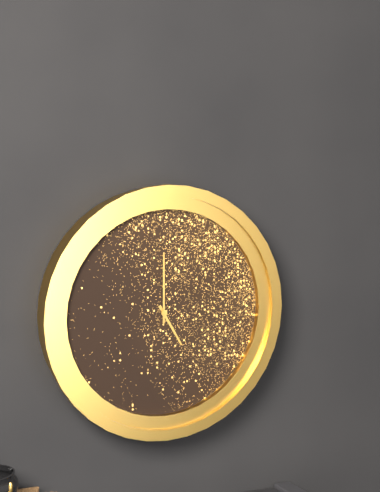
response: 5 h 00 min
